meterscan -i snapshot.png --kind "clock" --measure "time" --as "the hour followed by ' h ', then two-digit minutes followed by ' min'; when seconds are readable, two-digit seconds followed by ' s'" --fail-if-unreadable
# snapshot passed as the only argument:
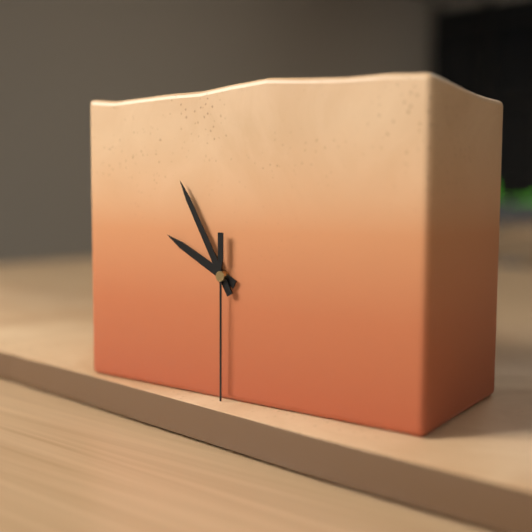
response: 9 h 55 min 30 s
